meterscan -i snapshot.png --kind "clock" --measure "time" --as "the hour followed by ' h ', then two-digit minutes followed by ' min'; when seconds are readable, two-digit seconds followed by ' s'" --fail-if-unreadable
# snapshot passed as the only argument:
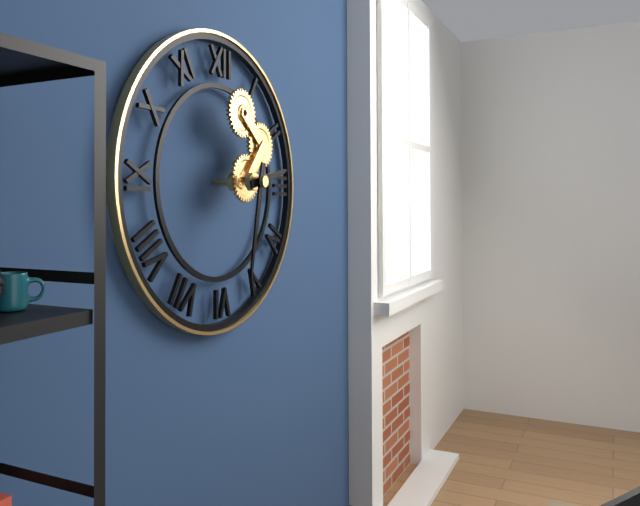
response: 2 h 32 min
